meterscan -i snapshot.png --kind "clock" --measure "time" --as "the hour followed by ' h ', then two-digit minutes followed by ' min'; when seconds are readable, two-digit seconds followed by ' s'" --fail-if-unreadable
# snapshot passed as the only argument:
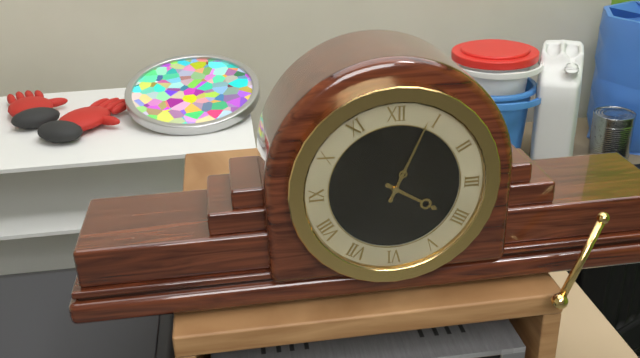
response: 4 h 04 min
